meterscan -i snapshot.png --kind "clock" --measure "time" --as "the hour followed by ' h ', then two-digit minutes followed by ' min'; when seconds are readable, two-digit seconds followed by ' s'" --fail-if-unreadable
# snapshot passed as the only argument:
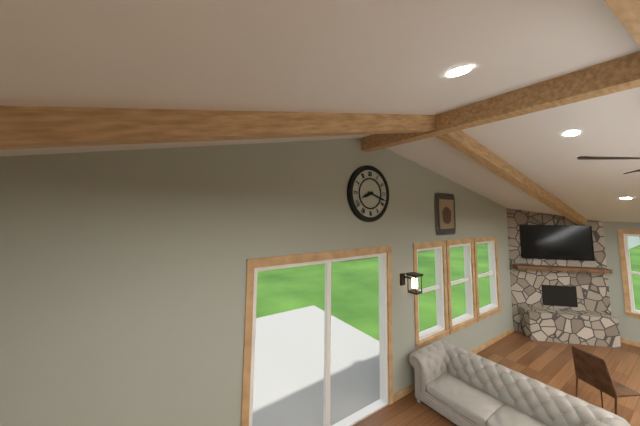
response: 8 h 18 min
